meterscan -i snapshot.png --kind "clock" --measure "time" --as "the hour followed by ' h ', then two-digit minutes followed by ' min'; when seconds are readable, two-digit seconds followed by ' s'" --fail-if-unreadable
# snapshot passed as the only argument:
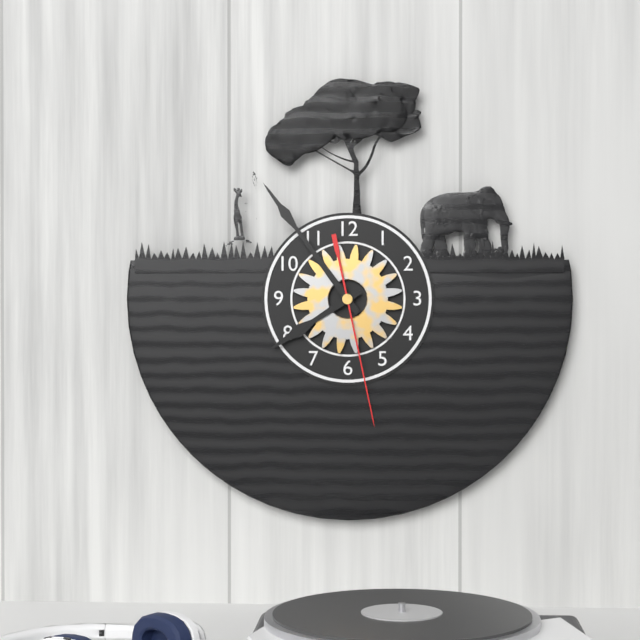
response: 7 h 54 min 28 s
